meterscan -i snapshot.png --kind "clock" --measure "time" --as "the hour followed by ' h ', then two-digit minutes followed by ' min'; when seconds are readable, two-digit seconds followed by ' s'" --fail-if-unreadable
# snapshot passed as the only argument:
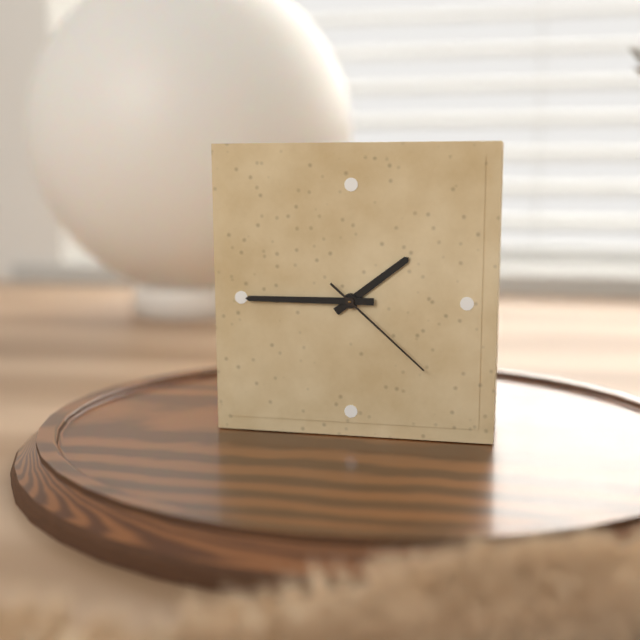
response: 1 h 45 min 22 s
